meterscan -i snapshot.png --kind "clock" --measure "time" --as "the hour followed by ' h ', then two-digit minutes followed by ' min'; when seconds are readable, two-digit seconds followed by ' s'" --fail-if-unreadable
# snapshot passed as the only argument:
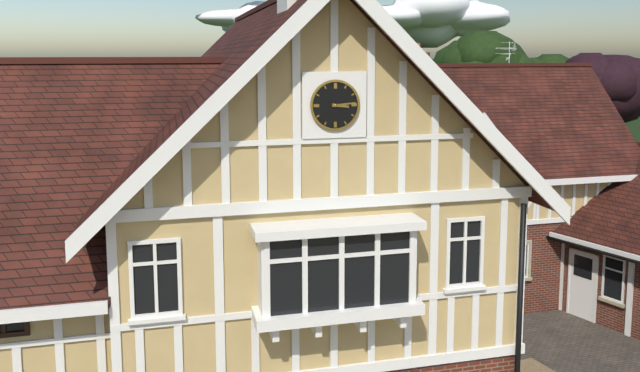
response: 3 h 14 min
